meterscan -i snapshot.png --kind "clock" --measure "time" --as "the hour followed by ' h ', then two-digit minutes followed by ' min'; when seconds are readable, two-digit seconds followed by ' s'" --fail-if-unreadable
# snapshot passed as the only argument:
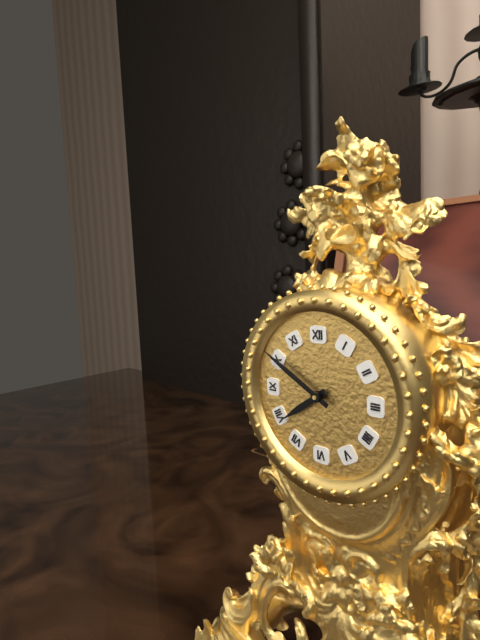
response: 7 h 50 min
